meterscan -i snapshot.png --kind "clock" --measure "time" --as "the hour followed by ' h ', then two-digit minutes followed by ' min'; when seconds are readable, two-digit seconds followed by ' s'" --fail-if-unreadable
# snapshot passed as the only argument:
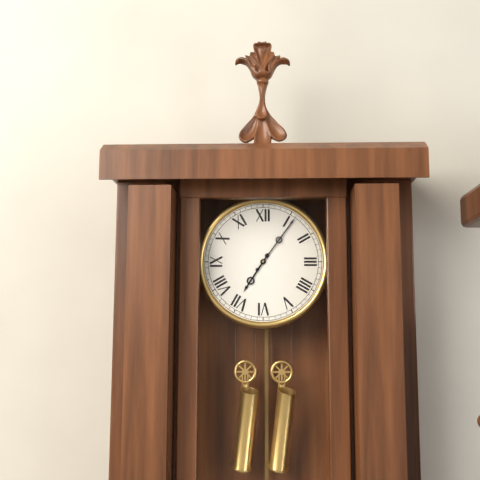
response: 7 h 06 min
